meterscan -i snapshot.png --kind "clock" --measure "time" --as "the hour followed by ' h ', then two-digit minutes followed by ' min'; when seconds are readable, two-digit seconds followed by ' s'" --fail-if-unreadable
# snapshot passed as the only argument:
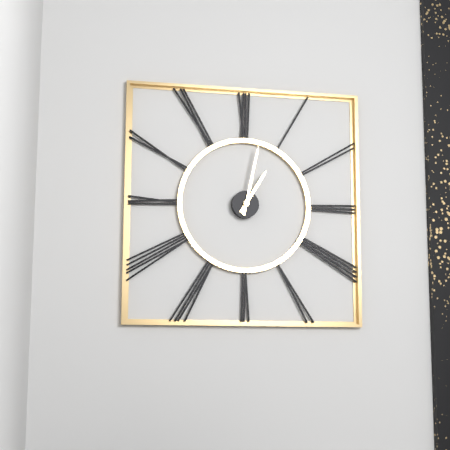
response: 1 h 02 min
